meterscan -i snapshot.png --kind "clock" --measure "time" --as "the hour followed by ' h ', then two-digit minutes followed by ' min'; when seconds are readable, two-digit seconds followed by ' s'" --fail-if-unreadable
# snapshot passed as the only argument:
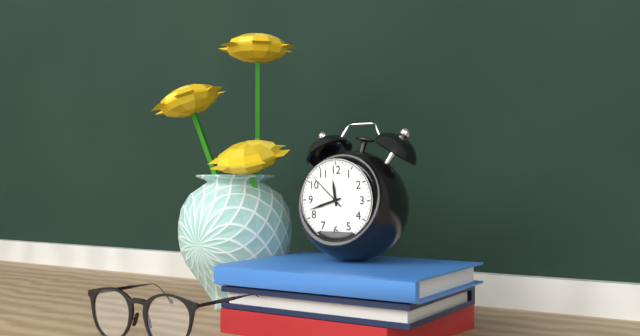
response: 11 h 42 min
